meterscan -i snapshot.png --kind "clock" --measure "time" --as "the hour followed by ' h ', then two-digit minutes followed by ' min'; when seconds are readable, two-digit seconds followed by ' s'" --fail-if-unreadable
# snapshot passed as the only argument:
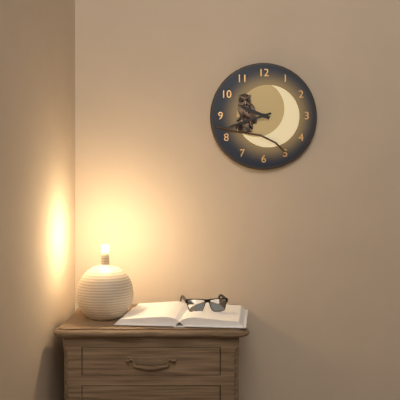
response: 9 h 42 min
